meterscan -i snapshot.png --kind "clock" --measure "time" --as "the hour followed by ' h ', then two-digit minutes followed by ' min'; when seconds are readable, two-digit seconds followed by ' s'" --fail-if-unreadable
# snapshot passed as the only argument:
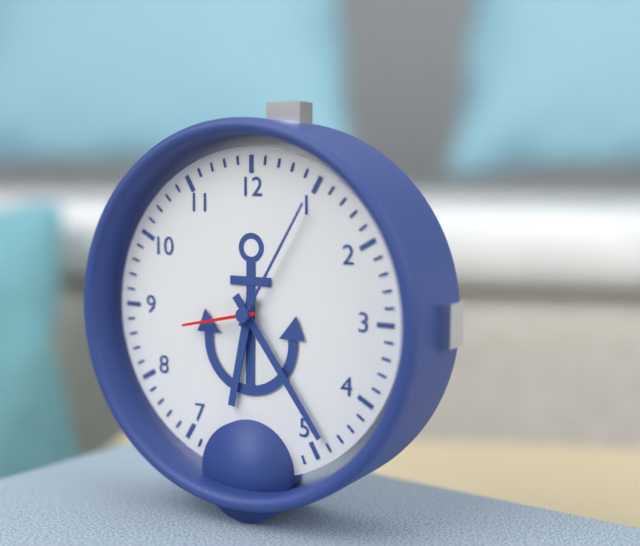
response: 6 h 24 min 43 s
